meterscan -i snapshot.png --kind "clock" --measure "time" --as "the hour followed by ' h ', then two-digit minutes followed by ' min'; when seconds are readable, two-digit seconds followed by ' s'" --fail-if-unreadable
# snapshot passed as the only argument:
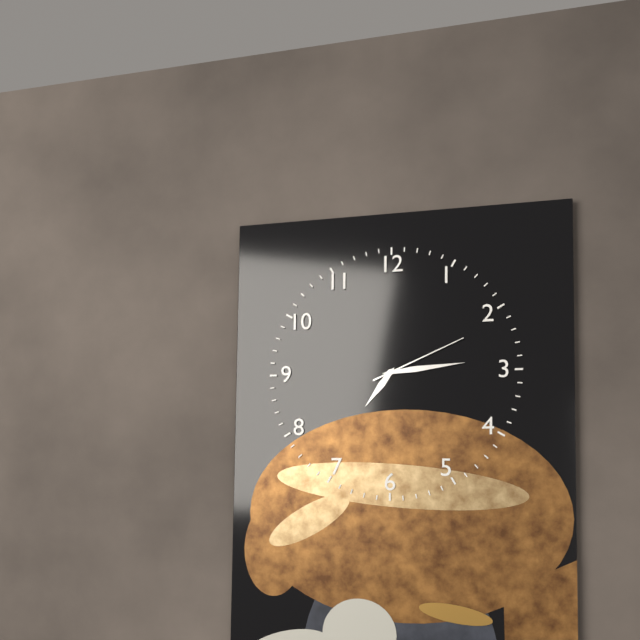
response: 7 h 14 min 11 s
